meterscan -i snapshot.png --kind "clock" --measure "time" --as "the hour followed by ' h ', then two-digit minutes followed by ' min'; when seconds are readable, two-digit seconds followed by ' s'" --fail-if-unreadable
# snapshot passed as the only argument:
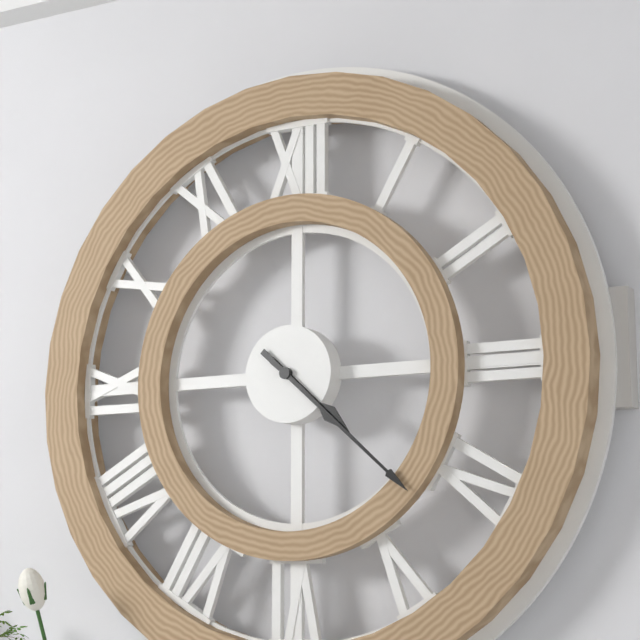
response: 4 h 22 min
